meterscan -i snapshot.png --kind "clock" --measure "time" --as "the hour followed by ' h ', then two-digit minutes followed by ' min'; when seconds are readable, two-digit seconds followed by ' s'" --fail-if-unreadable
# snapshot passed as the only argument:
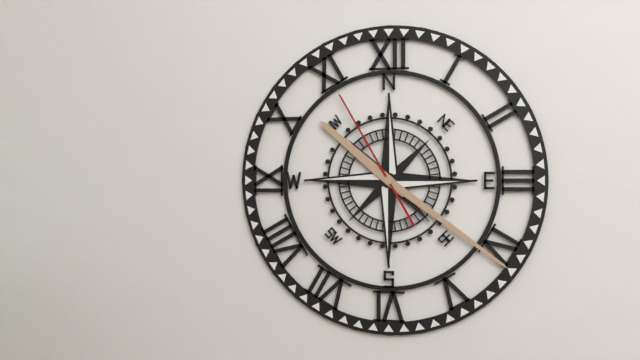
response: 10 h 21 min 55 s
